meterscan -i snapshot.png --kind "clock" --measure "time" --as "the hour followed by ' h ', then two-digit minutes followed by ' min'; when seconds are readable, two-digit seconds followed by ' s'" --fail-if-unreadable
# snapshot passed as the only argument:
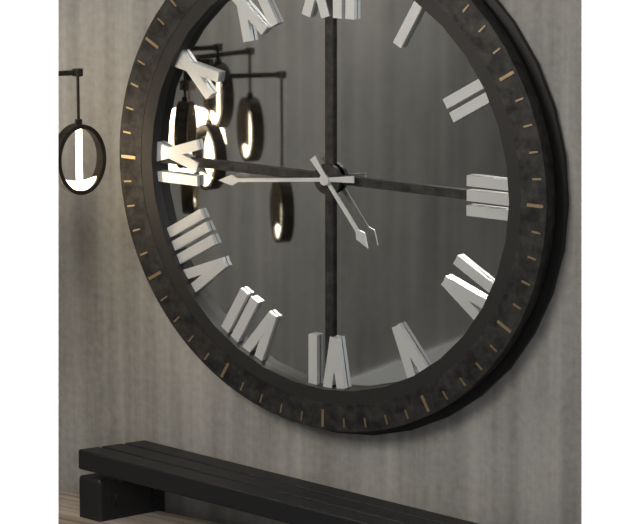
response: 4 h 44 min
